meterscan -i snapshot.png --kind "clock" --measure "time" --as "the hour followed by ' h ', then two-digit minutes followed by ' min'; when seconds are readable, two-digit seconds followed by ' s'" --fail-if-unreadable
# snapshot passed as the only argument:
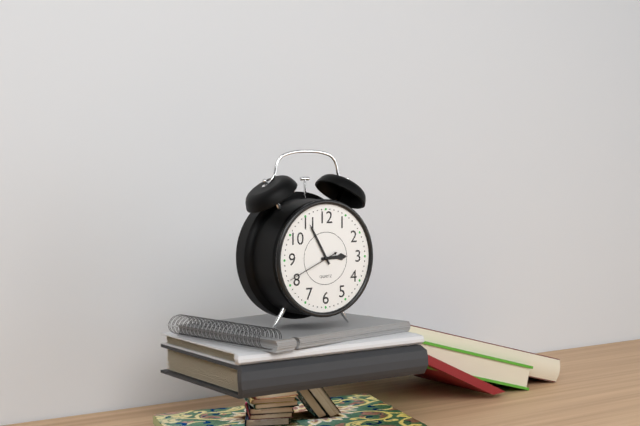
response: 2 h 55 min
